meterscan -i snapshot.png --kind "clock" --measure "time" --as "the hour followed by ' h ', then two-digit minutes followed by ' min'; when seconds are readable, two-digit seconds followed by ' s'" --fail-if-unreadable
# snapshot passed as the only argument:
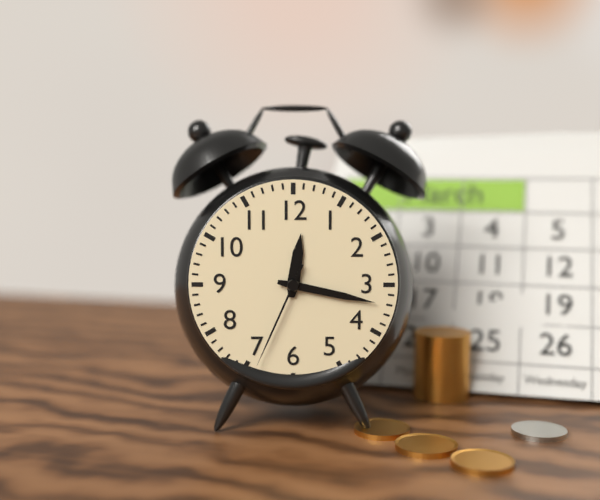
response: 12 h 17 min 34 s
